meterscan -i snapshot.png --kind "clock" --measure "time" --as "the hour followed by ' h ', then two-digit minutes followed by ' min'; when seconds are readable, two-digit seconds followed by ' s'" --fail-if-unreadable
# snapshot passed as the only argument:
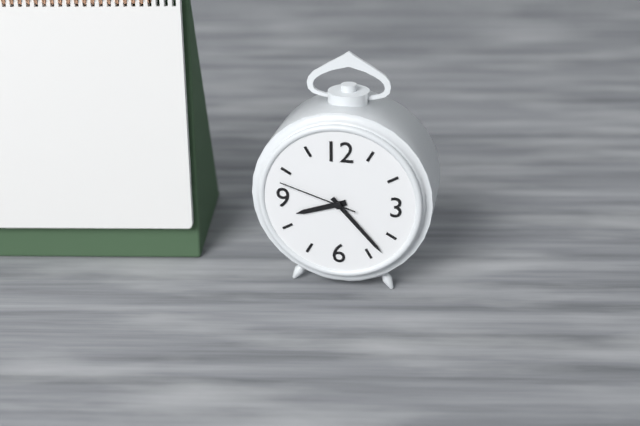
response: 8 h 23 min 48 s
